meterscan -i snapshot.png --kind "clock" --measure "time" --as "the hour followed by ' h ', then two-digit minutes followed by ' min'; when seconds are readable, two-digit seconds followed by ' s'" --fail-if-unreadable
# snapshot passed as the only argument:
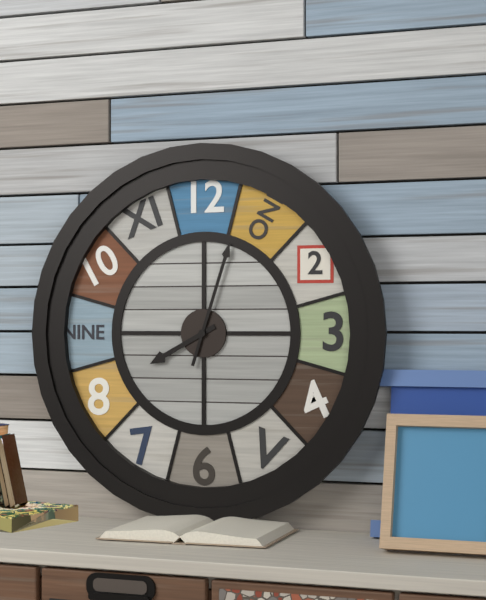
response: 8 h 03 min
